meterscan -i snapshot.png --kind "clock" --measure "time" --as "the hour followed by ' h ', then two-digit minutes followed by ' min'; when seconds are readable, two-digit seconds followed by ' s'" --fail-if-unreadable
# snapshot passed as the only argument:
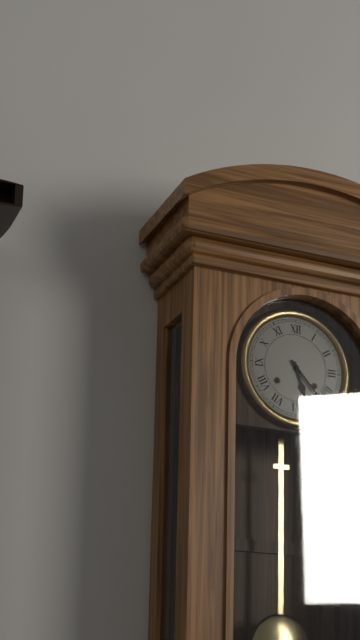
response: 5 h 23 min
